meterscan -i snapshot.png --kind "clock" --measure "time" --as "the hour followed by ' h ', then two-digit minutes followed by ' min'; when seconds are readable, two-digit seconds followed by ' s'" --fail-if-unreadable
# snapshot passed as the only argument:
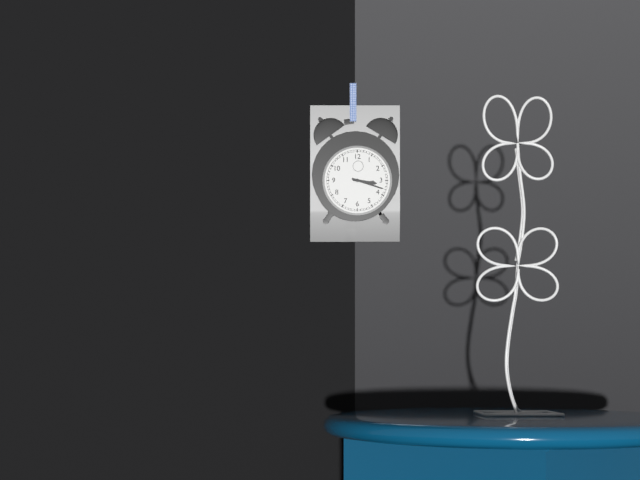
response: 3 h 18 min
